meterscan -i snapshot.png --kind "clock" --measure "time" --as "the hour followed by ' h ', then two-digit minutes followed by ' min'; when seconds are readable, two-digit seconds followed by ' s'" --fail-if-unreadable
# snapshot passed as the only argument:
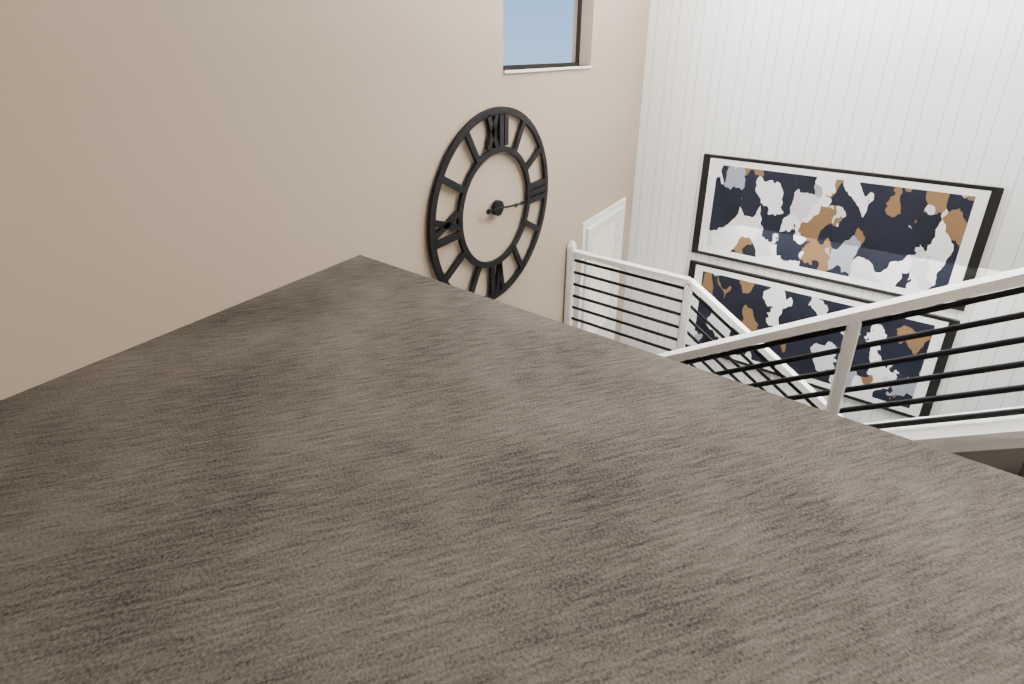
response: 3 h 16 min
